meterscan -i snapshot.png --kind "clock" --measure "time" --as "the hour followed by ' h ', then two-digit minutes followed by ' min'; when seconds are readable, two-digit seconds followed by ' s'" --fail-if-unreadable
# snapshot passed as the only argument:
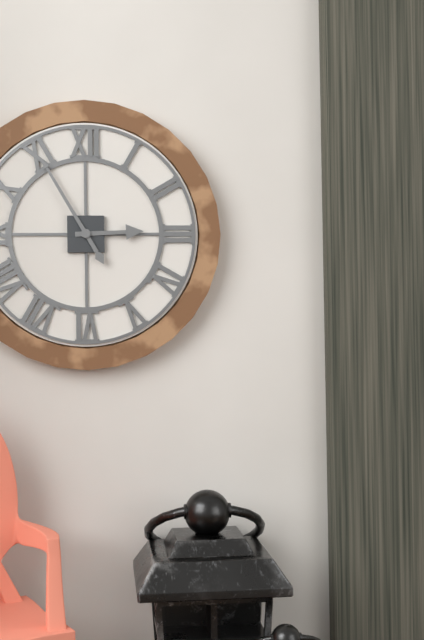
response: 2 h 55 min
